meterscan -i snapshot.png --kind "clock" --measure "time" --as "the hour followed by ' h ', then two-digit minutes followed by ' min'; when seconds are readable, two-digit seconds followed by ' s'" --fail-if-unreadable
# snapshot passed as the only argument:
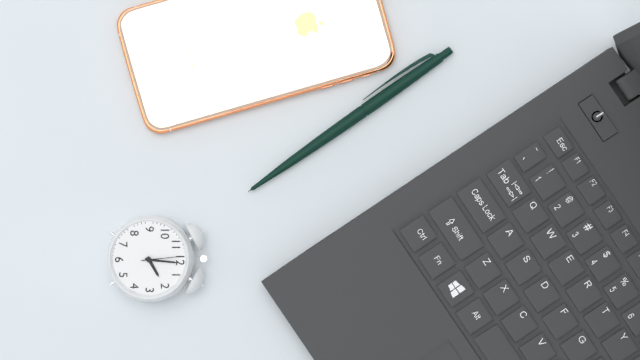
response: 2 h 01 min
